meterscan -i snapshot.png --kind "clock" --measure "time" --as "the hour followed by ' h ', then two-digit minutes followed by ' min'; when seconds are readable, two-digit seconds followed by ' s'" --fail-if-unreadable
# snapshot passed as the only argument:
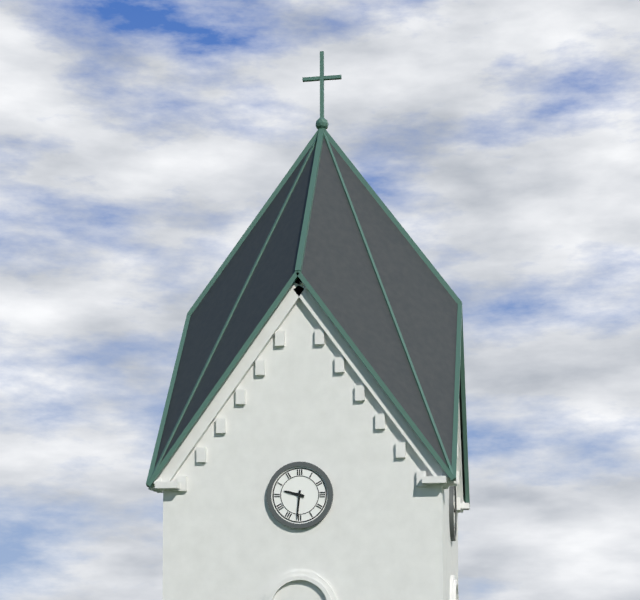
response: 9 h 31 min
